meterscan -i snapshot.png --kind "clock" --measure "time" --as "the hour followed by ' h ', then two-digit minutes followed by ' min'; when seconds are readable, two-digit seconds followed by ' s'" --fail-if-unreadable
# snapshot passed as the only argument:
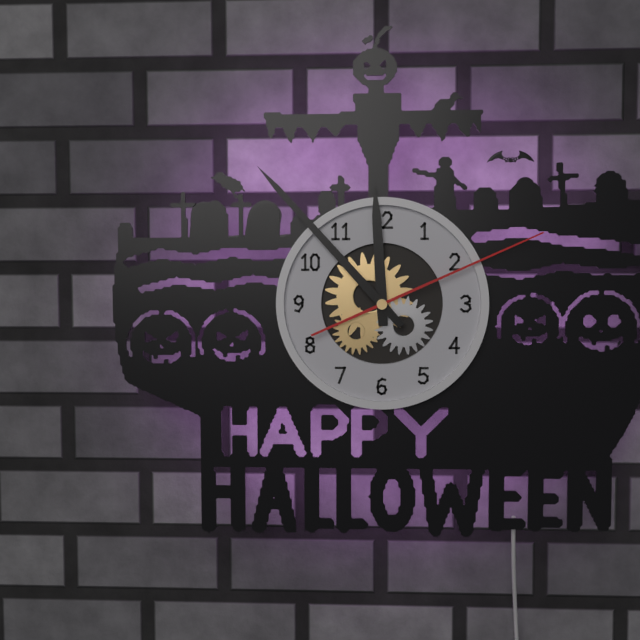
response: 11 h 53 min 11 s
